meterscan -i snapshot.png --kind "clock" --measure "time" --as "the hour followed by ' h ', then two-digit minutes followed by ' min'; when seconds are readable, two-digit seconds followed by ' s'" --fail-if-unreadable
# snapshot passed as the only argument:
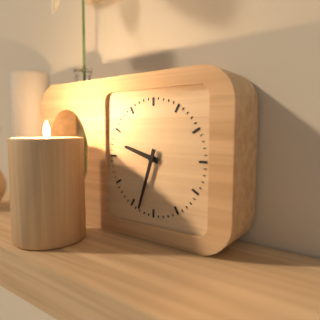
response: 9 h 33 min
